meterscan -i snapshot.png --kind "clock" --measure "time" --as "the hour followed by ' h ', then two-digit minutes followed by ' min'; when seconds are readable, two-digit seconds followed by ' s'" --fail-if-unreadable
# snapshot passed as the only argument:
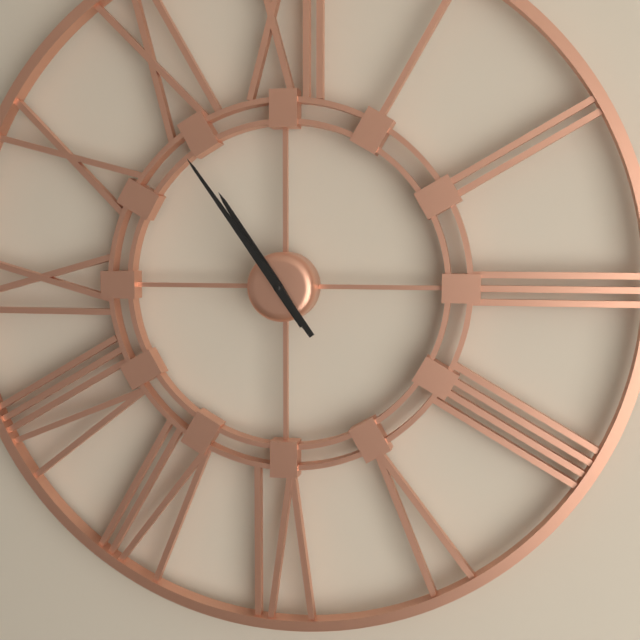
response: 10 h 54 min
